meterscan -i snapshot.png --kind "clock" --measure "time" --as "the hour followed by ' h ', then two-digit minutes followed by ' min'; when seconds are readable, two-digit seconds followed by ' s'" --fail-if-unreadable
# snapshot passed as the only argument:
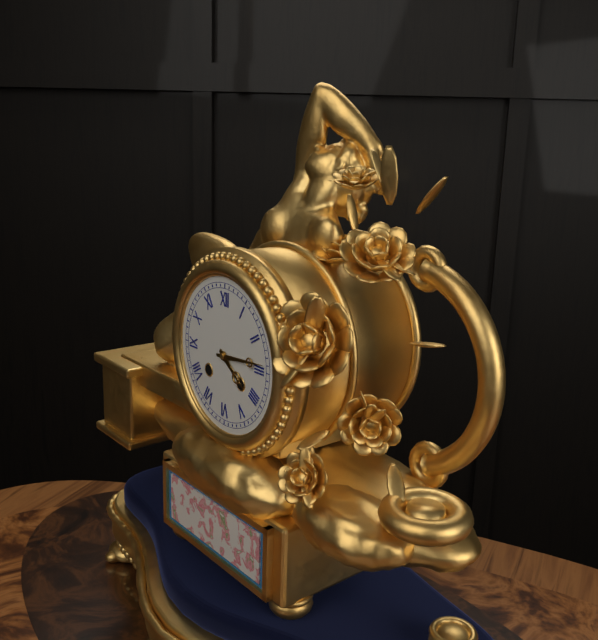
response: 4 h 14 min
